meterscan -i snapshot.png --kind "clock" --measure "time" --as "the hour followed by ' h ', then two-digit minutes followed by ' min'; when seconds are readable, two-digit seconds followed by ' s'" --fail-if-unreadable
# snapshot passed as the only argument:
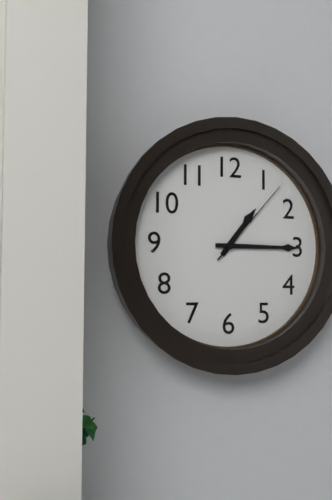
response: 1 h 15 min 07 s
